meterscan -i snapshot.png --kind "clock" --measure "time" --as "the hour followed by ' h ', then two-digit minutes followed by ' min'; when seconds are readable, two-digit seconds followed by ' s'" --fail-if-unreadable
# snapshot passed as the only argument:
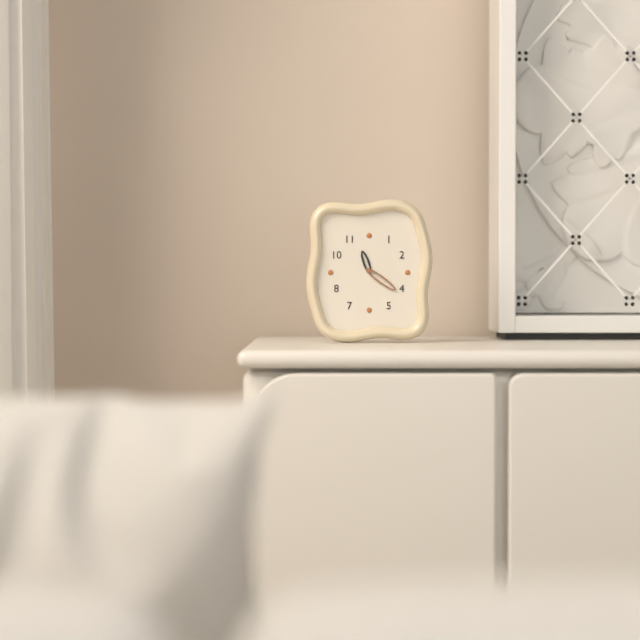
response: 11 h 21 min
